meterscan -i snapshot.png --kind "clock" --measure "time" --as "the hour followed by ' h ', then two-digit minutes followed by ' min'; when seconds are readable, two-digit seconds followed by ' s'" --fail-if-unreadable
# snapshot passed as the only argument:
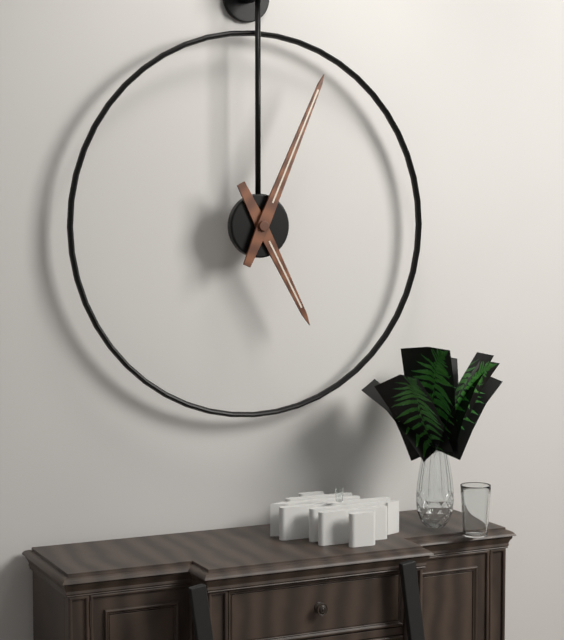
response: 5 h 04 min
